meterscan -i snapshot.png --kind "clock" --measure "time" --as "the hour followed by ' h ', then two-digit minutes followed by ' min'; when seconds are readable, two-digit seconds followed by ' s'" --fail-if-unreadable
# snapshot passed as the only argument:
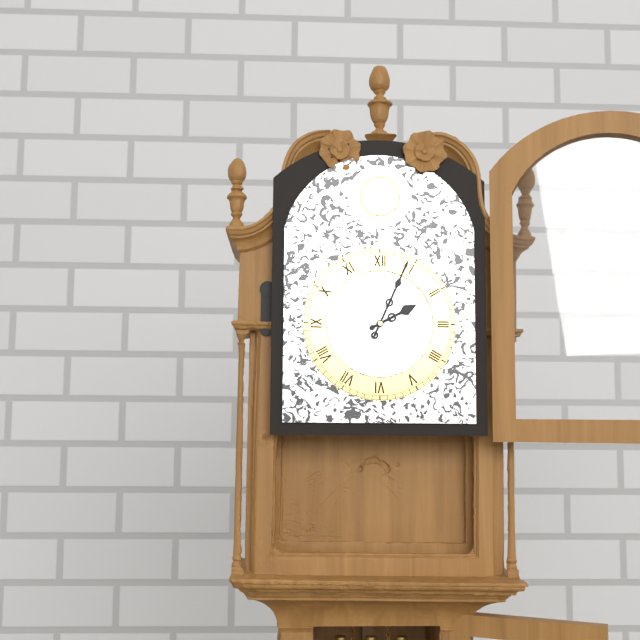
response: 2 h 04 min
